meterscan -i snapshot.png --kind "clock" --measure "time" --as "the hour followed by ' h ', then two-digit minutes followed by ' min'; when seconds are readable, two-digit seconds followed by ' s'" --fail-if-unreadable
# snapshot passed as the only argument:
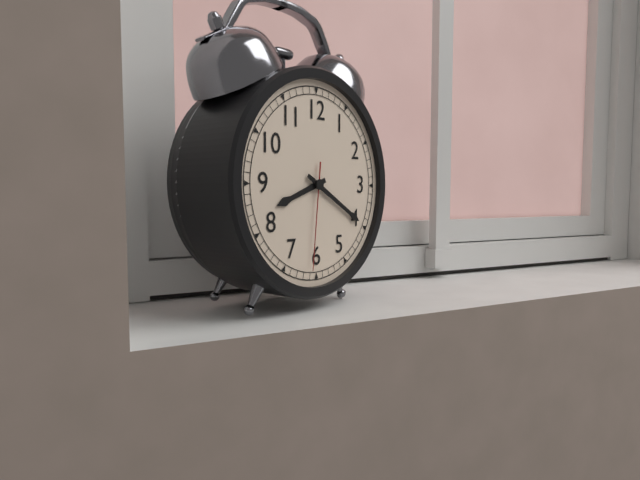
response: 8 h 20 min 31 s
